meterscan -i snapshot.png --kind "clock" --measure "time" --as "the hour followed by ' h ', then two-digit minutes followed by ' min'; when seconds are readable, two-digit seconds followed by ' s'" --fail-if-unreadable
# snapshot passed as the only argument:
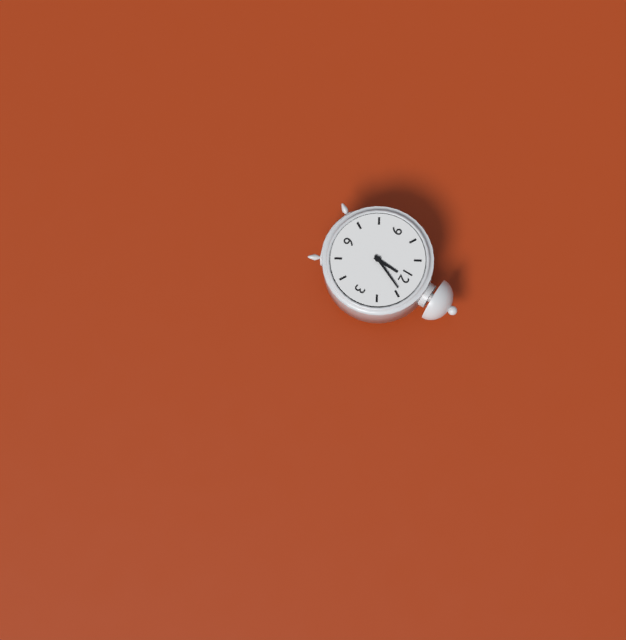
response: 12 h 04 min
